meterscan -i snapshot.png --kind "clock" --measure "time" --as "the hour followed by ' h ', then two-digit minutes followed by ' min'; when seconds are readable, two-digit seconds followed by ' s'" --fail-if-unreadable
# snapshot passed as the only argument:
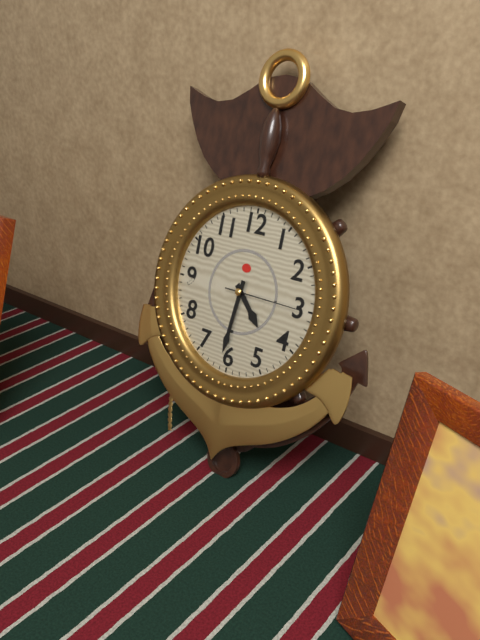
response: 4 h 31 min 15 s
